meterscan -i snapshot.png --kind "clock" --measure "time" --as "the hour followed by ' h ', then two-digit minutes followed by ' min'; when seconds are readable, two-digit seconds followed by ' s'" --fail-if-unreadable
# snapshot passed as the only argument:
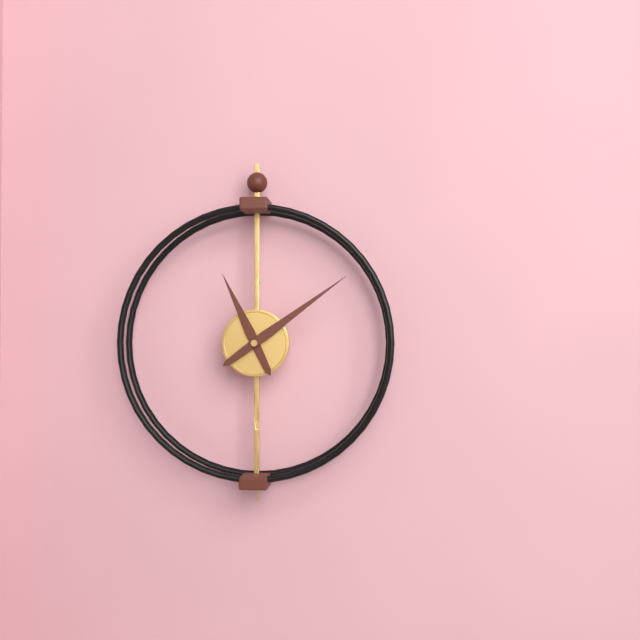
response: 11 h 09 min
